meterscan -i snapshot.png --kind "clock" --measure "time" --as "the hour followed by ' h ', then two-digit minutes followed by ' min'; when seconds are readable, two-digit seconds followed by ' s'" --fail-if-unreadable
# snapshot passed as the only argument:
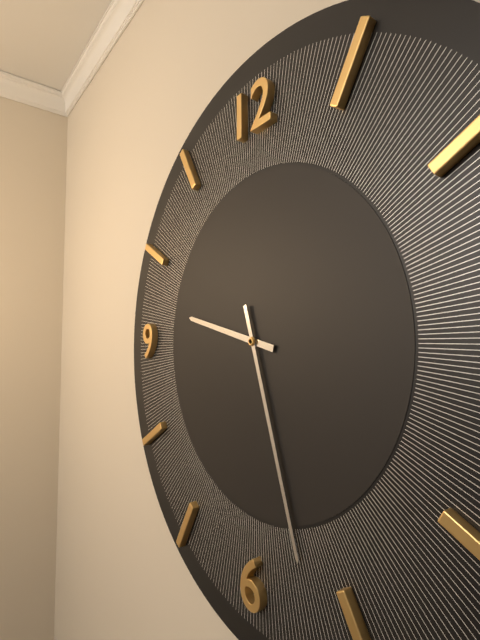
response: 9 h 27 min
